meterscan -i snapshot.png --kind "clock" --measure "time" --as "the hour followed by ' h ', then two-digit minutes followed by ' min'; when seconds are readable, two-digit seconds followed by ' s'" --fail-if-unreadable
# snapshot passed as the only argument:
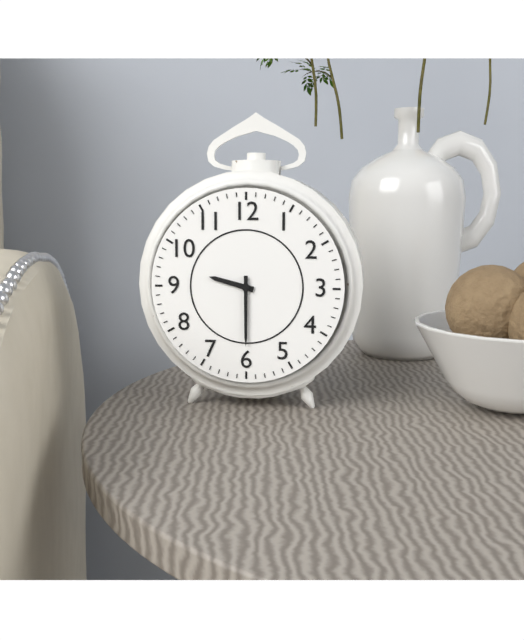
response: 9 h 30 min
